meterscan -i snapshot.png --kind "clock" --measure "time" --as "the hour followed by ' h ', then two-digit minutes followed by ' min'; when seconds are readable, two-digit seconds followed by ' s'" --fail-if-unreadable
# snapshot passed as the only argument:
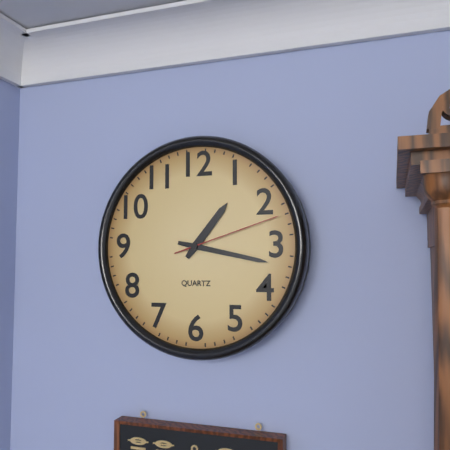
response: 1 h 17 min 12 s
